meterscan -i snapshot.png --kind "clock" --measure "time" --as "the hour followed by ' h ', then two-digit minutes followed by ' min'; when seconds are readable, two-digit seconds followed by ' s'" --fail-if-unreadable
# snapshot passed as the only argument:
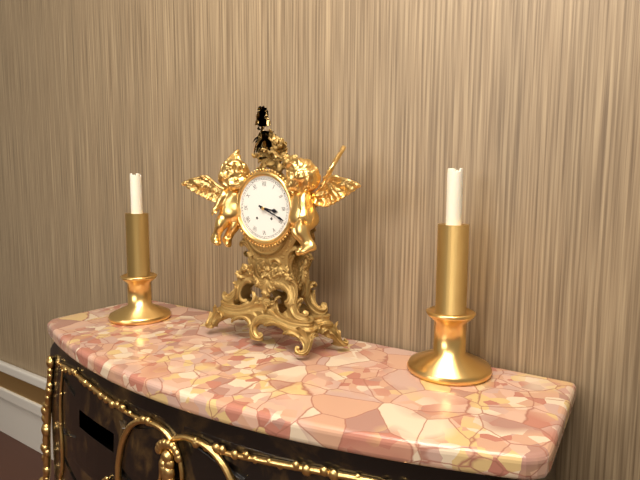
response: 3 h 19 min
